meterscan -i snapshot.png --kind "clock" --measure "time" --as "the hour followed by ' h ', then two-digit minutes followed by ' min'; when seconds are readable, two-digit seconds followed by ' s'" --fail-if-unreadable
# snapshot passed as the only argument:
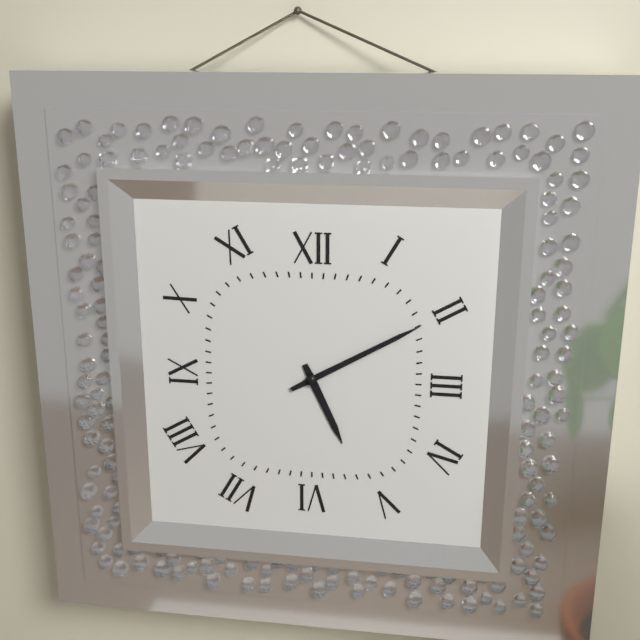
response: 5 h 10 min
